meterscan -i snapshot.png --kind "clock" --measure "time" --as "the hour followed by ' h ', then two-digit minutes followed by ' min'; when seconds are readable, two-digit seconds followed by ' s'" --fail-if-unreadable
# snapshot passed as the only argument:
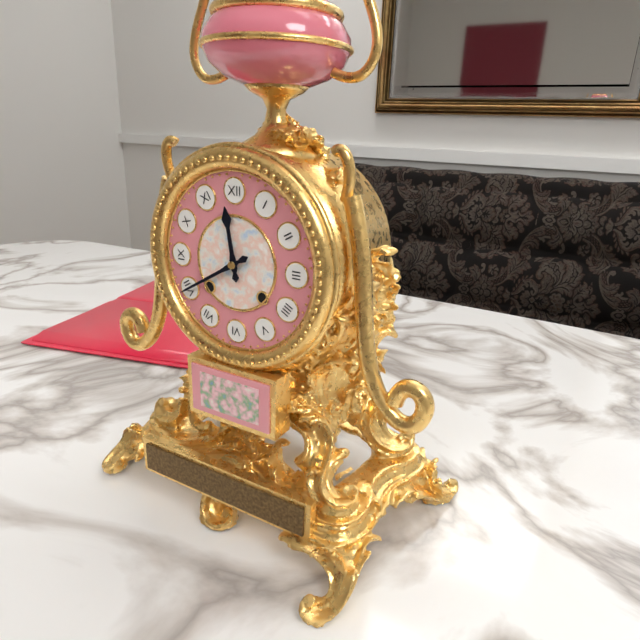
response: 11 h 40 min
